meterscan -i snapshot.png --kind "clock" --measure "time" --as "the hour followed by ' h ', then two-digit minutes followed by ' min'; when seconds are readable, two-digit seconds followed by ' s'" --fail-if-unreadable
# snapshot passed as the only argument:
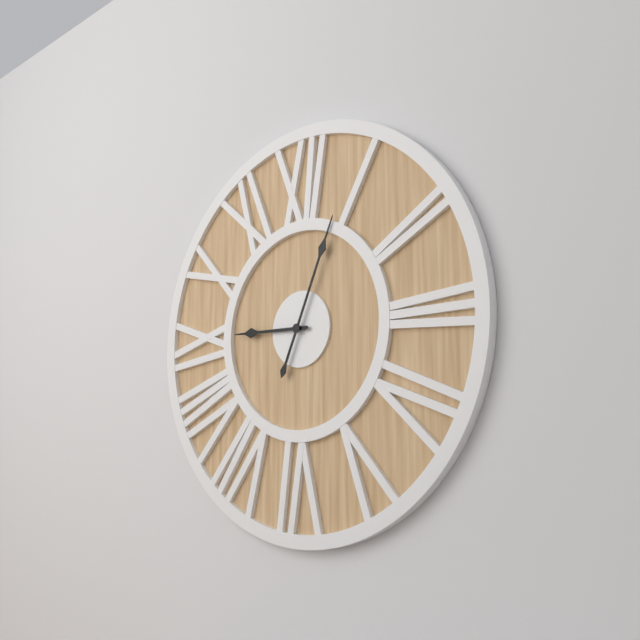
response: 9 h 04 min
